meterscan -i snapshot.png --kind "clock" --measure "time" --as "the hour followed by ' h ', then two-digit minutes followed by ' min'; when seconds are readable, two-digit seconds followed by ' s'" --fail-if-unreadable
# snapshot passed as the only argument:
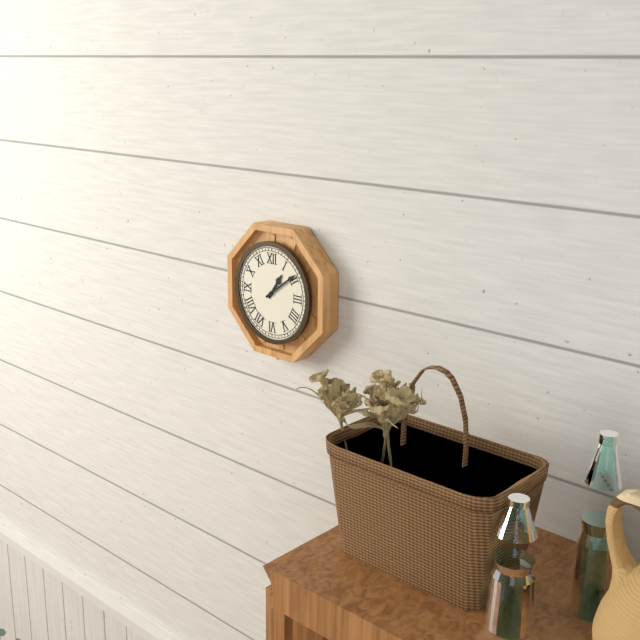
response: 1 h 09 min
